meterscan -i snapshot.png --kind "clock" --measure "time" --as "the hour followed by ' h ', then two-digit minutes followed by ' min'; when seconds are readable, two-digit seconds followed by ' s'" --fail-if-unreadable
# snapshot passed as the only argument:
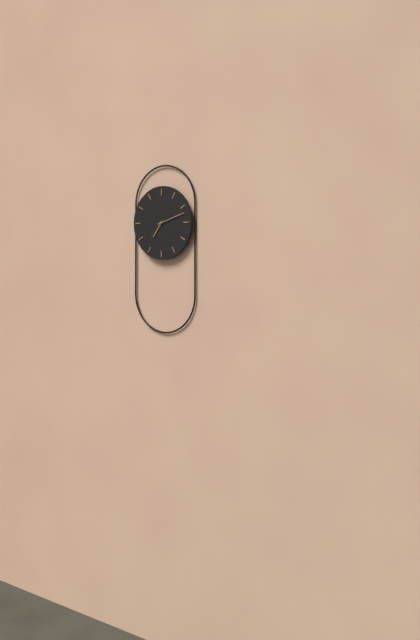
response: 7 h 12 min
